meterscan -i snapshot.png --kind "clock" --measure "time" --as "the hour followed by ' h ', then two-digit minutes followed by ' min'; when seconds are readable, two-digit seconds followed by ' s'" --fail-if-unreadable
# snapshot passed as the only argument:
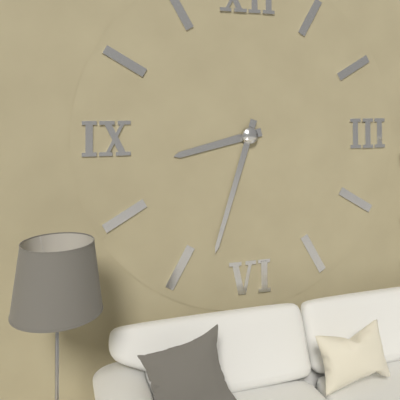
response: 8 h 33 min
